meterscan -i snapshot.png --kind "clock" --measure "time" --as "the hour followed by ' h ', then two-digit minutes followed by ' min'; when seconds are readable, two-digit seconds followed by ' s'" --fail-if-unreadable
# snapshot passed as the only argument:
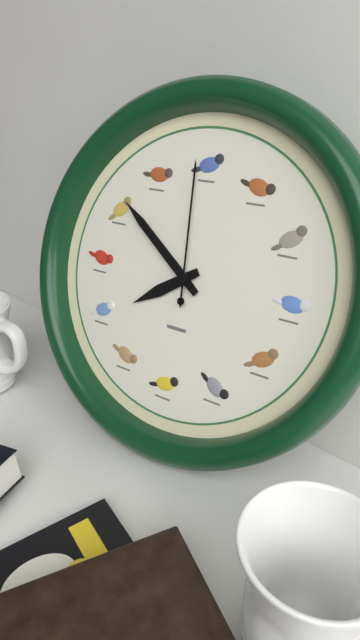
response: 7 h 51 min 59 s
